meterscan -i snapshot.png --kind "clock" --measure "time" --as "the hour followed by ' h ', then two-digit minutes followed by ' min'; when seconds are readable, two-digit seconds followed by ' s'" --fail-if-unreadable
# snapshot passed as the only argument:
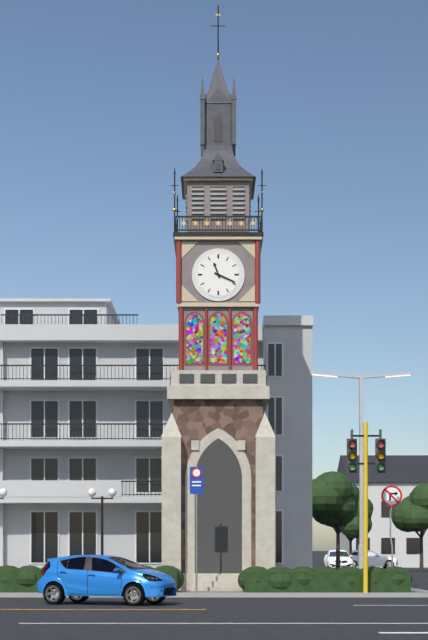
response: 11 h 19 min
